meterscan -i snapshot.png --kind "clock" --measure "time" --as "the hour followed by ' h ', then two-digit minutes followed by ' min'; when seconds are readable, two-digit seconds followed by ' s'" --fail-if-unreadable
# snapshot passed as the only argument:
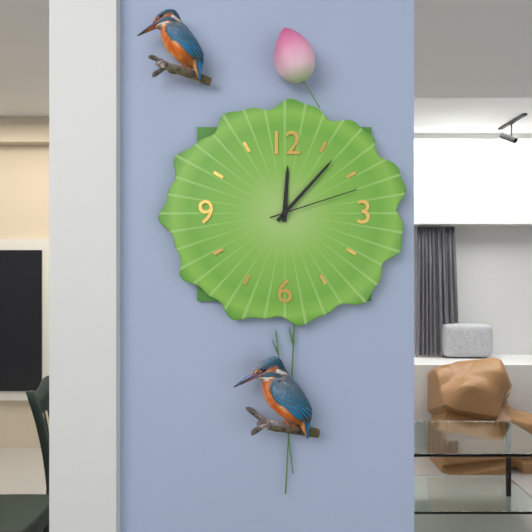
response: 12 h 07 min 12 s
